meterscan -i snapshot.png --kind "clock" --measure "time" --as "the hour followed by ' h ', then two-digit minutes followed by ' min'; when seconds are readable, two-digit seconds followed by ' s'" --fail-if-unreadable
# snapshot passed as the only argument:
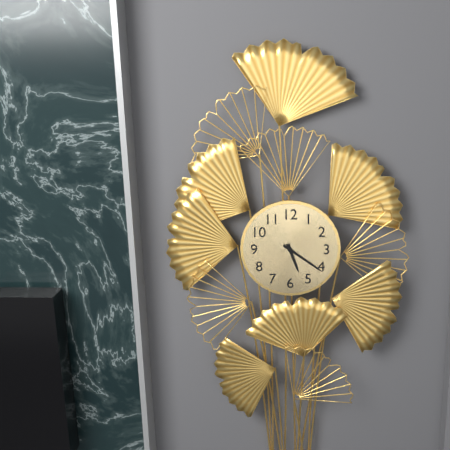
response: 5 h 21 min
